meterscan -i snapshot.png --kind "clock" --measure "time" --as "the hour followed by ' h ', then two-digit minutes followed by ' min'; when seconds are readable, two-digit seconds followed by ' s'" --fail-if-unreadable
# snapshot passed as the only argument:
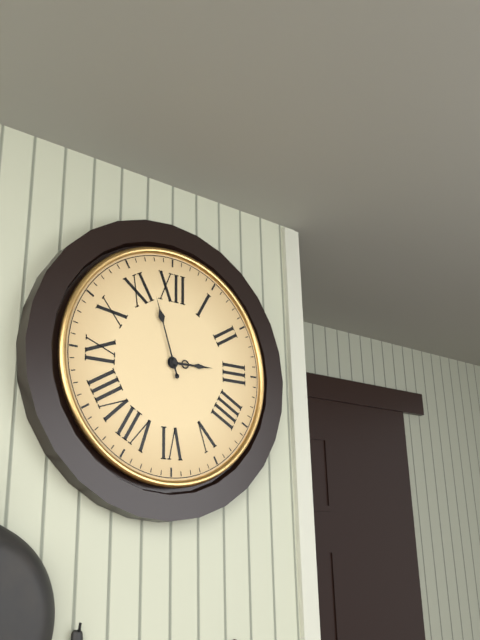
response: 2 h 57 min
